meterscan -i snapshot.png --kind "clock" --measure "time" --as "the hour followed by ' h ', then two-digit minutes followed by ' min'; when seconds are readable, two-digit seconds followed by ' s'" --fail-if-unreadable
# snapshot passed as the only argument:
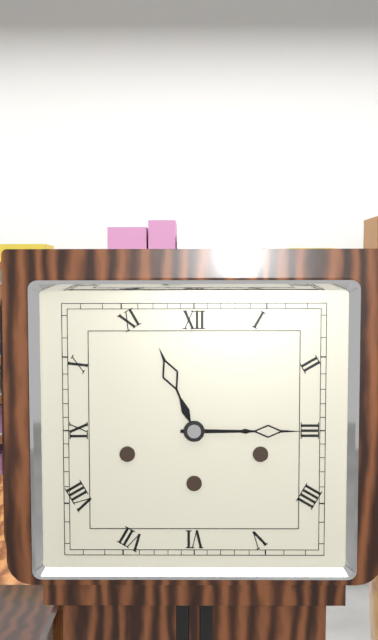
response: 11 h 15 min
